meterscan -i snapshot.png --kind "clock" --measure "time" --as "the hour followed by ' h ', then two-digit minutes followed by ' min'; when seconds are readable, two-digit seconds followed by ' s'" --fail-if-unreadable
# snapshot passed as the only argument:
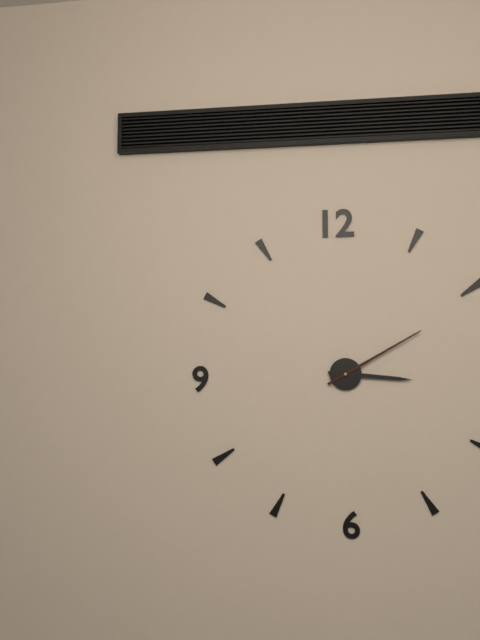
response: 3 h 10 min
